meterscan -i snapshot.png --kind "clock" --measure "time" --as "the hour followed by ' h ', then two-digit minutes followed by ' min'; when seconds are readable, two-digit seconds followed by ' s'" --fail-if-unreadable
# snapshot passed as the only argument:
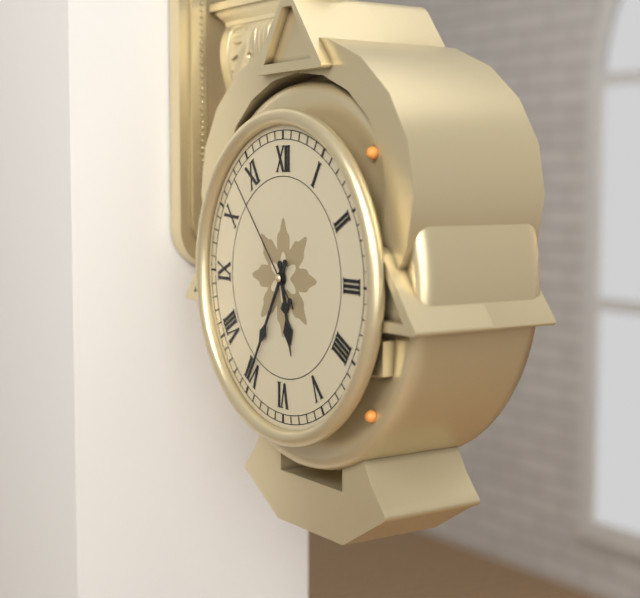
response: 5 h 35 min 53 s
